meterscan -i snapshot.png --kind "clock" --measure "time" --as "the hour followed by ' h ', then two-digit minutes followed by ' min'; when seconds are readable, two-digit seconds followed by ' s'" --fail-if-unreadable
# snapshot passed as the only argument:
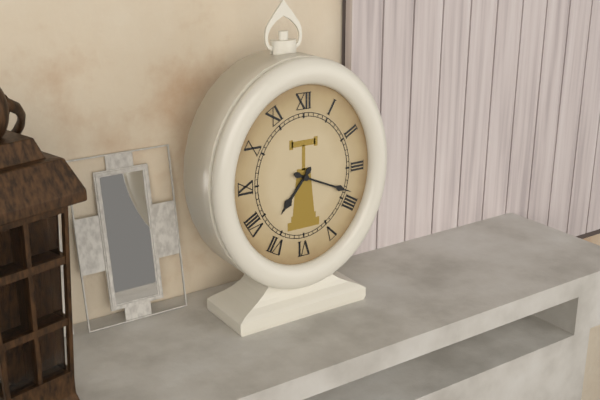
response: 7 h 19 min
